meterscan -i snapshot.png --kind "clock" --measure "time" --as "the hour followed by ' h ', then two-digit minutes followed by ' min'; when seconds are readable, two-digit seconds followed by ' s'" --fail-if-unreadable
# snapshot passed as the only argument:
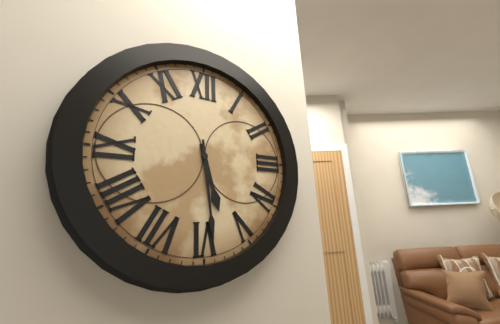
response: 5 h 29 min
